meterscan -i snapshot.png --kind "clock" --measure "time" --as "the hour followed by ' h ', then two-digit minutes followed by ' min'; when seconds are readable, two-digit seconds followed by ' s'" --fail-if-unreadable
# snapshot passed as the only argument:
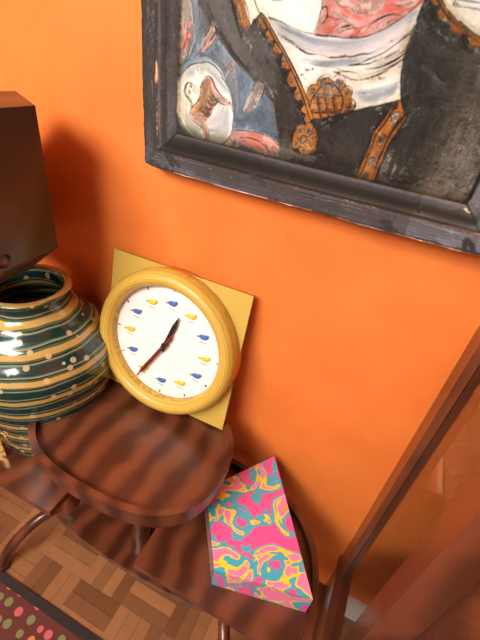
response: 12 h 35 min 35 s
